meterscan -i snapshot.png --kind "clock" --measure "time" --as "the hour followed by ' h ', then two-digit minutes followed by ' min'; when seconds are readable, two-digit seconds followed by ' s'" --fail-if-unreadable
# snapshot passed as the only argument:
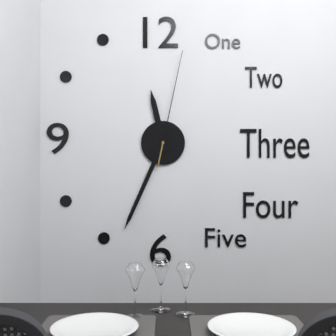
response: 11 h 34 min 02 s
